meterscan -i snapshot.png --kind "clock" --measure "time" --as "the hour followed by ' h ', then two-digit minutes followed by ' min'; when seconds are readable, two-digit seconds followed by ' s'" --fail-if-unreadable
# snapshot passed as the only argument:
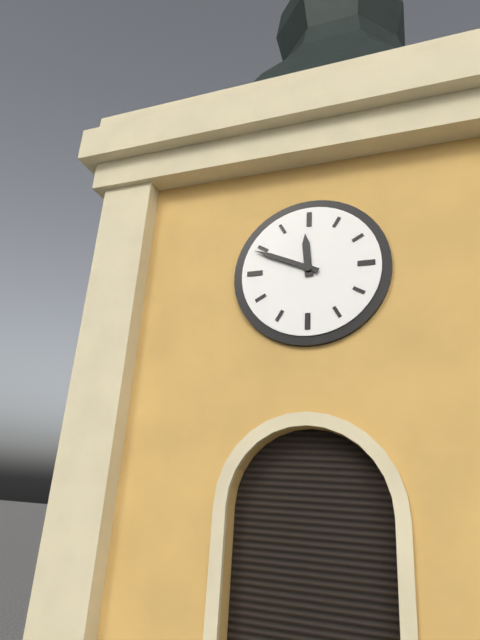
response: 11 h 49 min
